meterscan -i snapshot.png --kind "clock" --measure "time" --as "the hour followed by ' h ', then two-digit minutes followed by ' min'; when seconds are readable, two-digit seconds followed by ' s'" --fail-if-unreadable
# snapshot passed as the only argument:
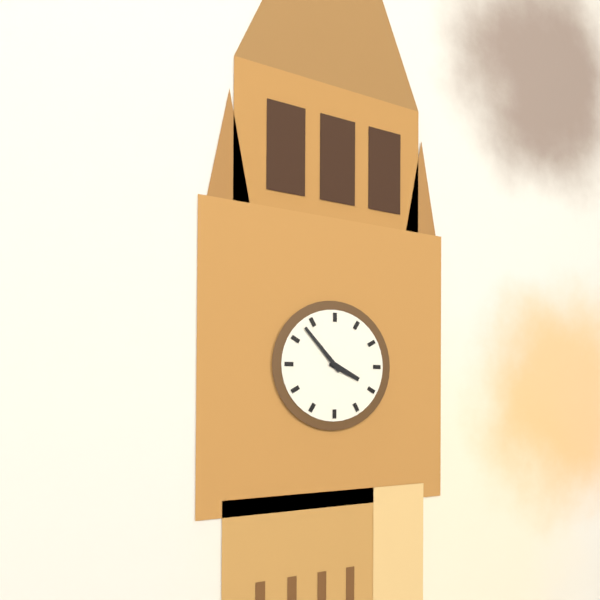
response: 3 h 53 min
